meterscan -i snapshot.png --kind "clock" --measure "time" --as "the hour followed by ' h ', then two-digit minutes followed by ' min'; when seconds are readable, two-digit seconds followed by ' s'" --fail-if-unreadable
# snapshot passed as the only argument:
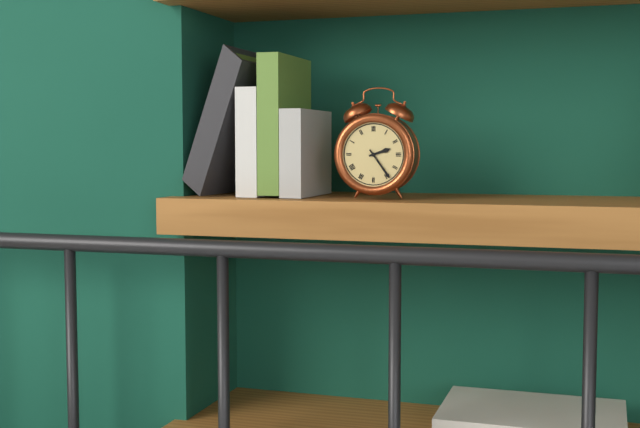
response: 2 h 24 min
